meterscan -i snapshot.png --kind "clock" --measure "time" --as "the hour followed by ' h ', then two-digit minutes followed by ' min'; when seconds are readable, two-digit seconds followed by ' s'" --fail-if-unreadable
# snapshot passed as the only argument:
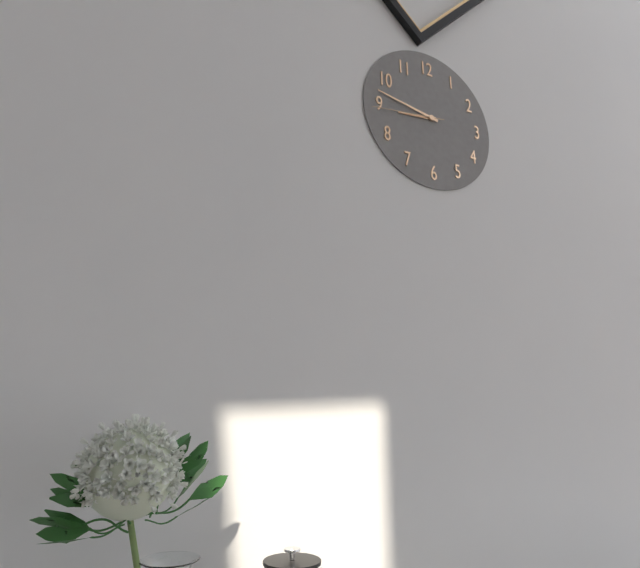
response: 8 h 47 min 44 s
